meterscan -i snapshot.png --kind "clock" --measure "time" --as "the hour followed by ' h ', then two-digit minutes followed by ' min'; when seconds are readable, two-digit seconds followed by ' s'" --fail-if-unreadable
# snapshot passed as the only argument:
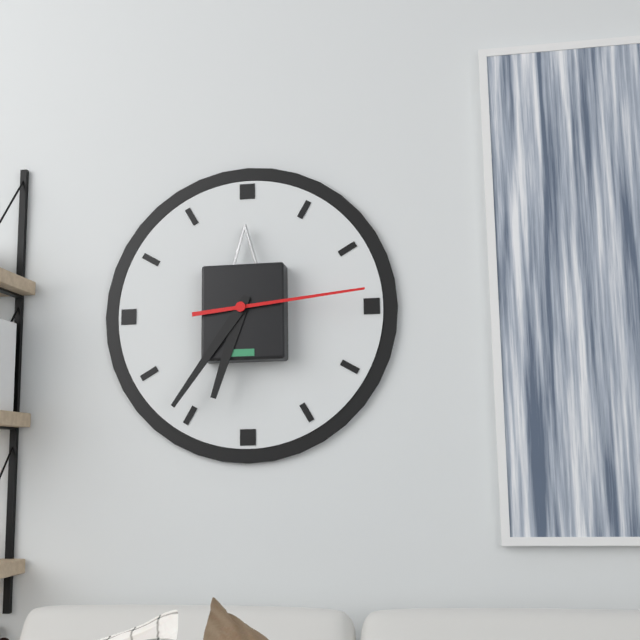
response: 6 h 36 min 14 s
